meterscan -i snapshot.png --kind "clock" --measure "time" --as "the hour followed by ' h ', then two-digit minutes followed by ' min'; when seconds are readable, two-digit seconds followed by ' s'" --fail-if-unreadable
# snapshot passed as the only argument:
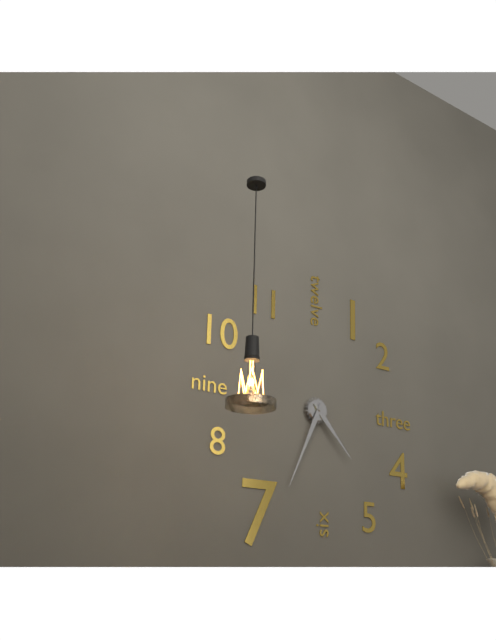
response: 4 h 34 min
